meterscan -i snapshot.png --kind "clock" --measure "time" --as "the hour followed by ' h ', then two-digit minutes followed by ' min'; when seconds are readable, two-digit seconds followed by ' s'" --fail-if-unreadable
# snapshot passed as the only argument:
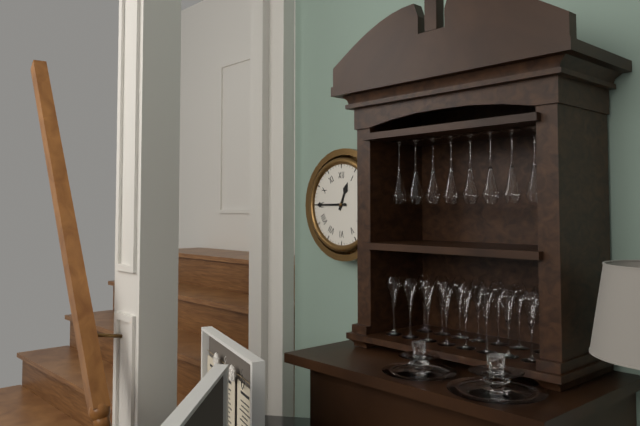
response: 12 h 45 min
